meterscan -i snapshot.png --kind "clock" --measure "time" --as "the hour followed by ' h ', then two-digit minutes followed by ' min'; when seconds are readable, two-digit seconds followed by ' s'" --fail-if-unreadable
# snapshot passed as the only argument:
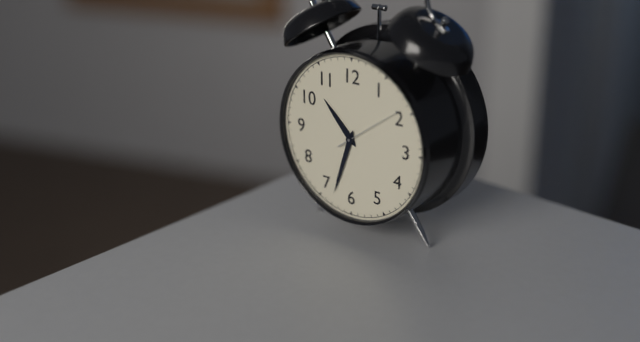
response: 10 h 33 min 09 s
